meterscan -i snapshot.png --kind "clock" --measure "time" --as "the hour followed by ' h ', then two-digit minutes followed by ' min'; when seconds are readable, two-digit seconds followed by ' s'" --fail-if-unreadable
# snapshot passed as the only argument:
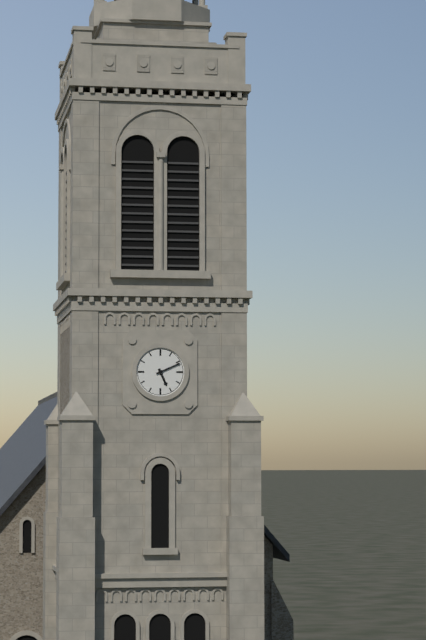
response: 5 h 11 min
